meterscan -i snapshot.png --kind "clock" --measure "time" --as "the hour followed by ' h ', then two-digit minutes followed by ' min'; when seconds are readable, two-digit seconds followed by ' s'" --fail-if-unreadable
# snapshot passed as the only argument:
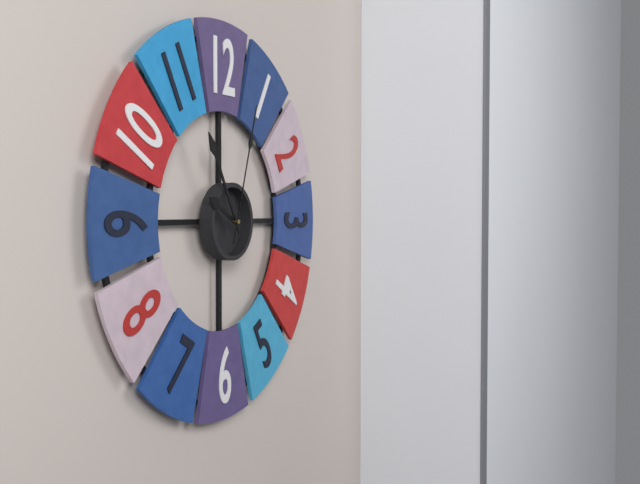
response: 9 h 55 min 03 s
